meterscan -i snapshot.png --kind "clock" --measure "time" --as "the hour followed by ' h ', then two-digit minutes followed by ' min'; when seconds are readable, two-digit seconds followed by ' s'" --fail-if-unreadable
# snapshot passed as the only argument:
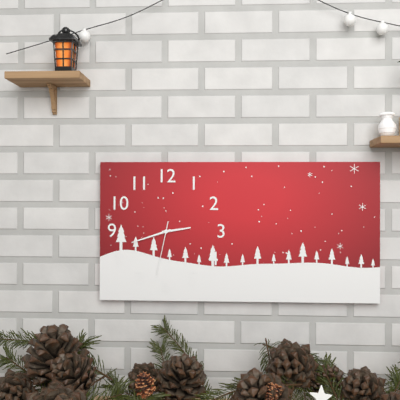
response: 2 h 42 min 32 s
